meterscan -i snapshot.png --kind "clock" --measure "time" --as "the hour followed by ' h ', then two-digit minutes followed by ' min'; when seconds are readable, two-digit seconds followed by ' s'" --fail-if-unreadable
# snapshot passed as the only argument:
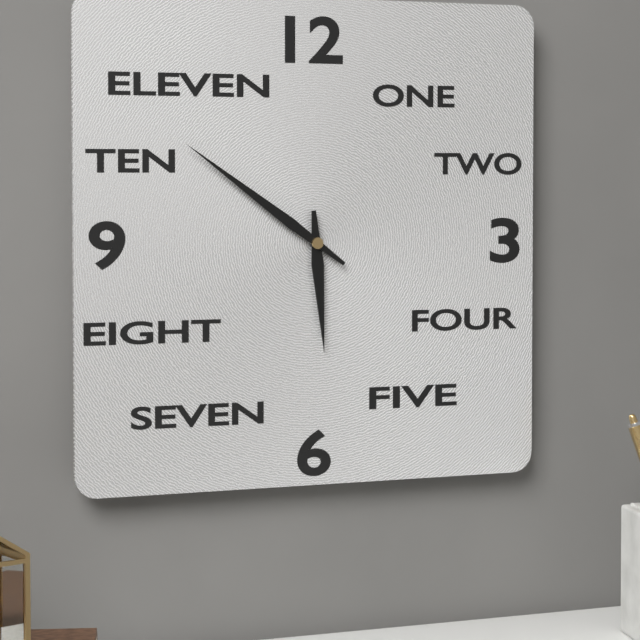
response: 5 h 51 min
